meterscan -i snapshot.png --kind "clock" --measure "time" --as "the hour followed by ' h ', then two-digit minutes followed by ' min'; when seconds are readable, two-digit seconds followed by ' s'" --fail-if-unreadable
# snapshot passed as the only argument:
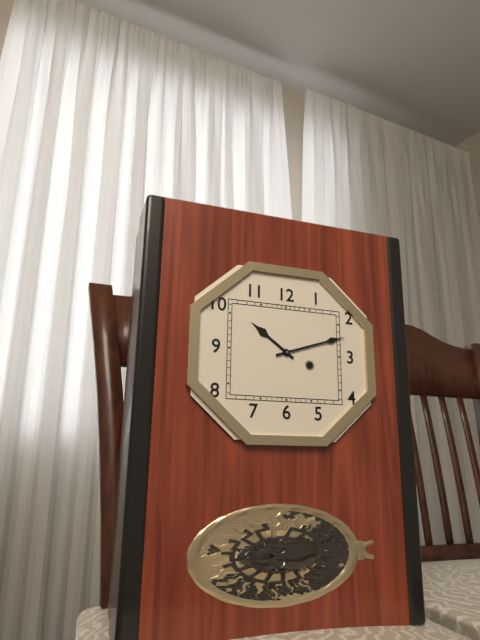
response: 10 h 12 min
